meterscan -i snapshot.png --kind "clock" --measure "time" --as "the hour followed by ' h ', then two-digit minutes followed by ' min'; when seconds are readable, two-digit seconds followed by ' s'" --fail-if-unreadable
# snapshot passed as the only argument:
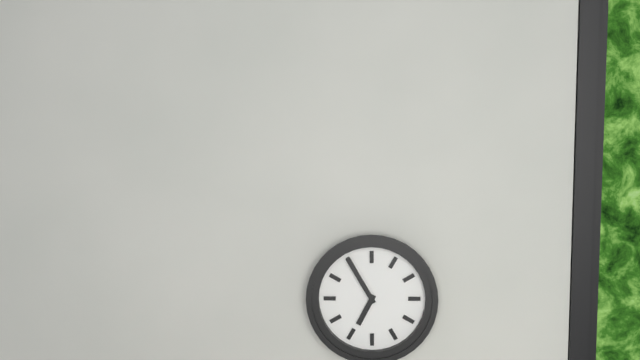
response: 6 h 55 min
